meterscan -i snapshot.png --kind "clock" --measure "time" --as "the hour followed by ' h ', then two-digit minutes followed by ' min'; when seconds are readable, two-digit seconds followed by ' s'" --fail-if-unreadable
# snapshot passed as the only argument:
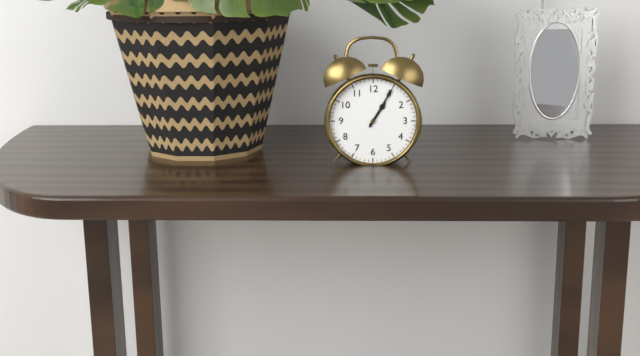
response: 1 h 05 min
